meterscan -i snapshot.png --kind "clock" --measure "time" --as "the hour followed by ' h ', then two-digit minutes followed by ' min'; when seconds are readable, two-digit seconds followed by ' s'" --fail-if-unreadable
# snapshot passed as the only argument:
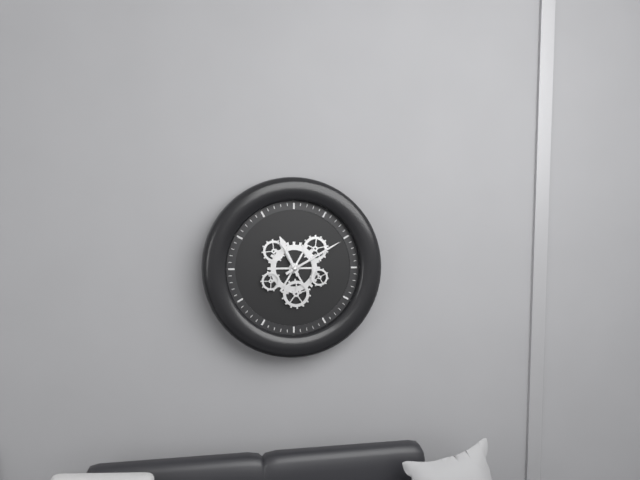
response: 11 h 10 min
